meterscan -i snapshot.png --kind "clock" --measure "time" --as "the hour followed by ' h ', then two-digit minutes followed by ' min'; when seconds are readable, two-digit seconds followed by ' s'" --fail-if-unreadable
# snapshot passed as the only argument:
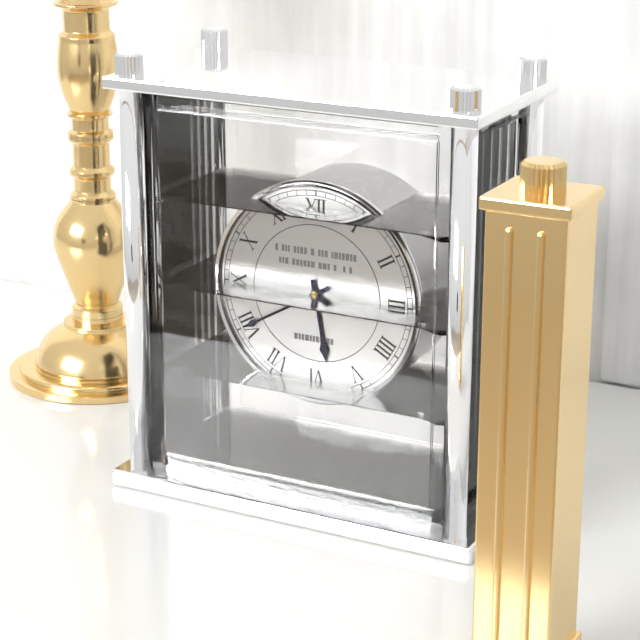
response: 5 h 40 min
